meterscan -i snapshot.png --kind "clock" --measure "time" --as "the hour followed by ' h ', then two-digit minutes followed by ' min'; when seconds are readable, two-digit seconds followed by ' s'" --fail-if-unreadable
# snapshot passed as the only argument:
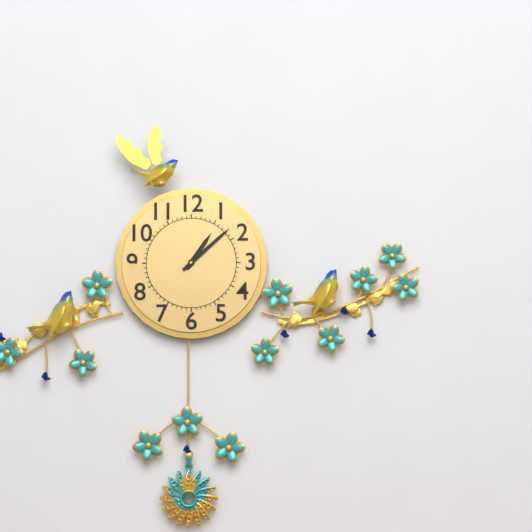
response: 1 h 08 min
